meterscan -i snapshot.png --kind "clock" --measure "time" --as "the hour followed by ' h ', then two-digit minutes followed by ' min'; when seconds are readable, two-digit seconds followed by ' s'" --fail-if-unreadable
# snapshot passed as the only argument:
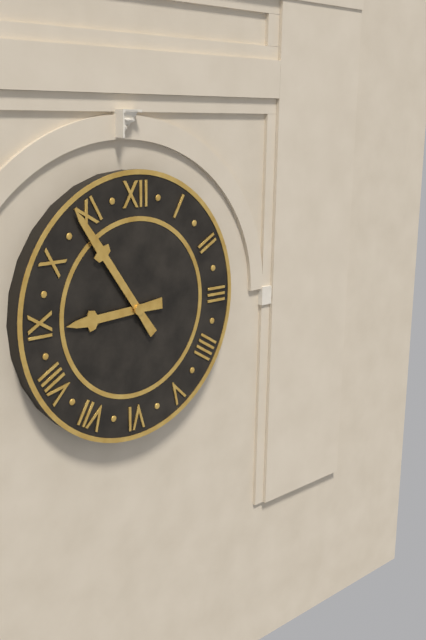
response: 8 h 54 min
